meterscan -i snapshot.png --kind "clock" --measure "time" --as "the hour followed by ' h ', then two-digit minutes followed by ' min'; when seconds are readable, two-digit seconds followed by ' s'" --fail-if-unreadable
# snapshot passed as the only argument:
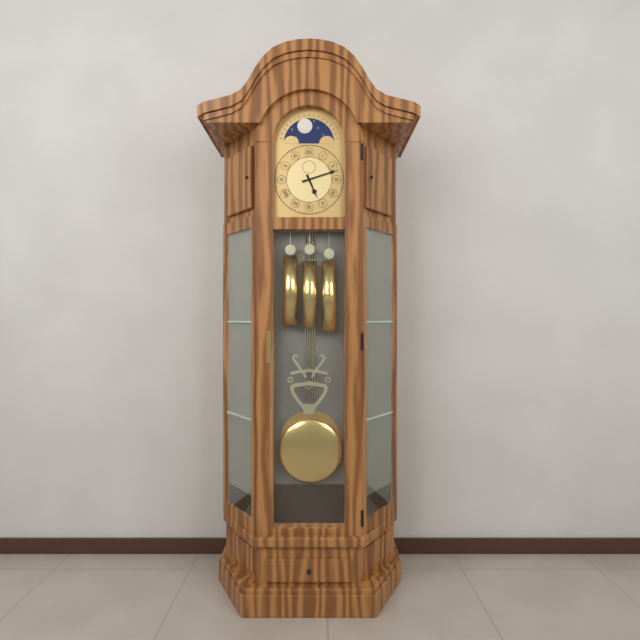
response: 5 h 12 min
